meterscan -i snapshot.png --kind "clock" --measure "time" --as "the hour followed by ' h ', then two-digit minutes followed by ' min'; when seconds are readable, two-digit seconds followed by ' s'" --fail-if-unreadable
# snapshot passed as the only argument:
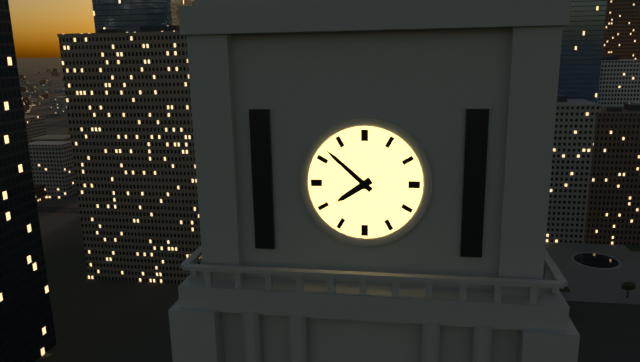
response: 7 h 52 min
